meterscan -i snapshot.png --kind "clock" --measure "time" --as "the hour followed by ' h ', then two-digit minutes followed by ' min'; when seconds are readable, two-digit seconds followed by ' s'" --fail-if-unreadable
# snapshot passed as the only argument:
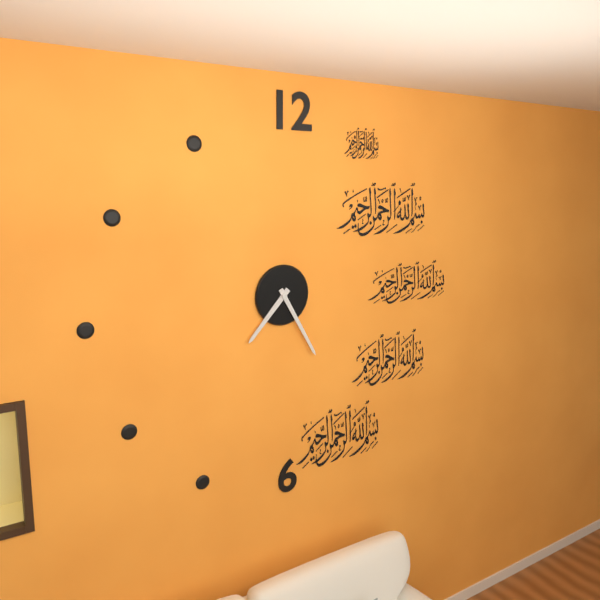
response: 7 h 25 min
